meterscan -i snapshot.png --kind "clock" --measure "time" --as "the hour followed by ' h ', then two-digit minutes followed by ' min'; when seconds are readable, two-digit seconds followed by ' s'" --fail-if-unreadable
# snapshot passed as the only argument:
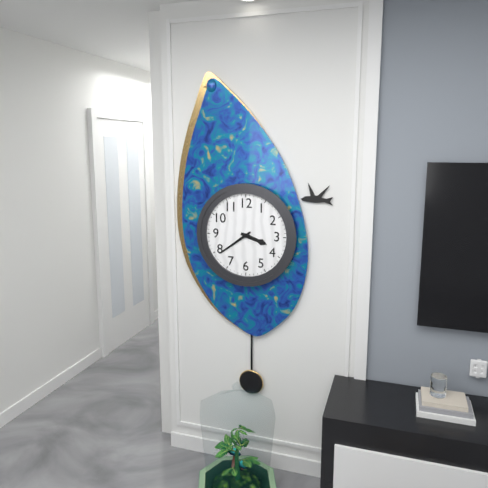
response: 3 h 39 min
